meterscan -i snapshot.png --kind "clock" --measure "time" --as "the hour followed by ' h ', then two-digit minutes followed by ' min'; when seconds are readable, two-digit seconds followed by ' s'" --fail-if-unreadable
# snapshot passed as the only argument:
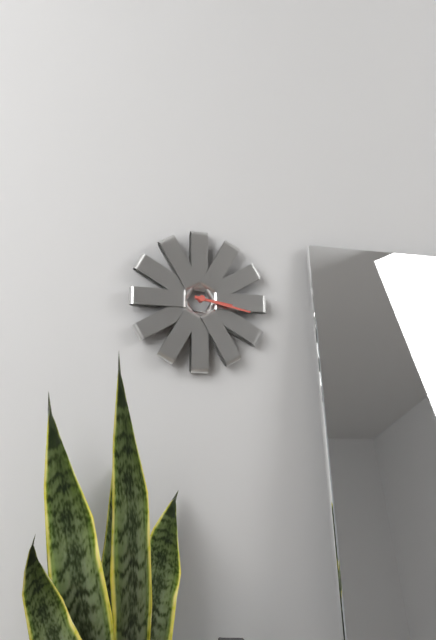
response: 3 h 17 min
